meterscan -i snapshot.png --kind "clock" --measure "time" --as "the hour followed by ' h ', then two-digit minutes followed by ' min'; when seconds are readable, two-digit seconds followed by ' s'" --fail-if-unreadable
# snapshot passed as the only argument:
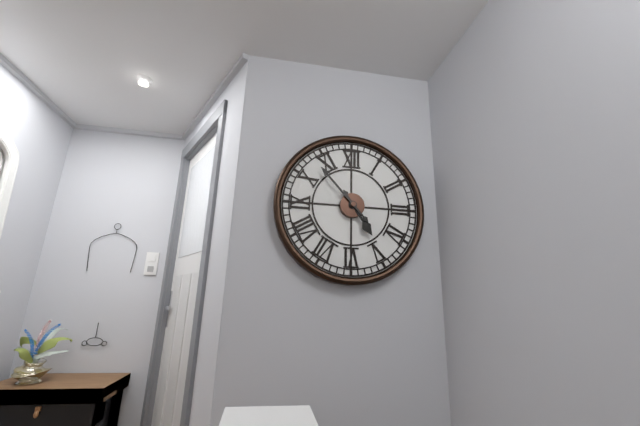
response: 4 h 53 min
